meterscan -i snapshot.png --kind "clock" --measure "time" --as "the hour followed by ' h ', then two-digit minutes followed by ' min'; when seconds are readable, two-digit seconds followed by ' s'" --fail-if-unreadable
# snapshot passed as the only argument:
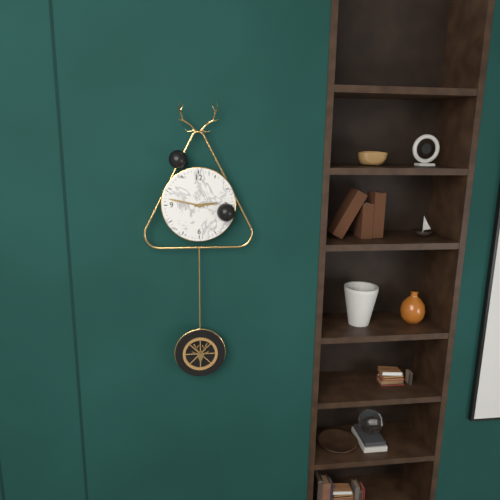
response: 2 h 47 min
